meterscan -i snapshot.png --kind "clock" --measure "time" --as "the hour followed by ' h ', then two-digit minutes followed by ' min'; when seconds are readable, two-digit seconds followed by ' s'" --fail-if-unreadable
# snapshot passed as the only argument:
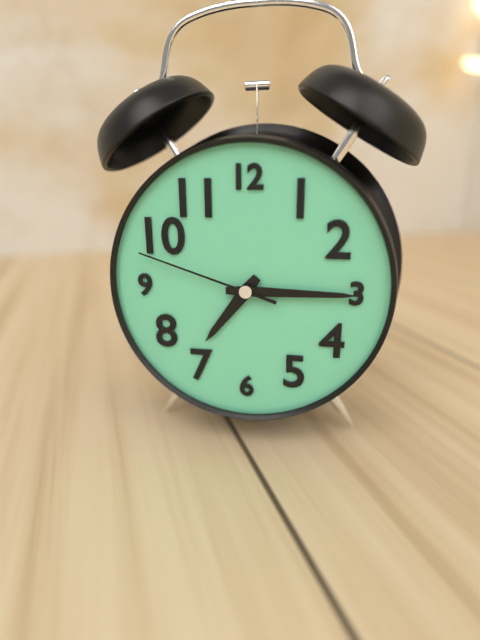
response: 7 h 15 min 48 s
